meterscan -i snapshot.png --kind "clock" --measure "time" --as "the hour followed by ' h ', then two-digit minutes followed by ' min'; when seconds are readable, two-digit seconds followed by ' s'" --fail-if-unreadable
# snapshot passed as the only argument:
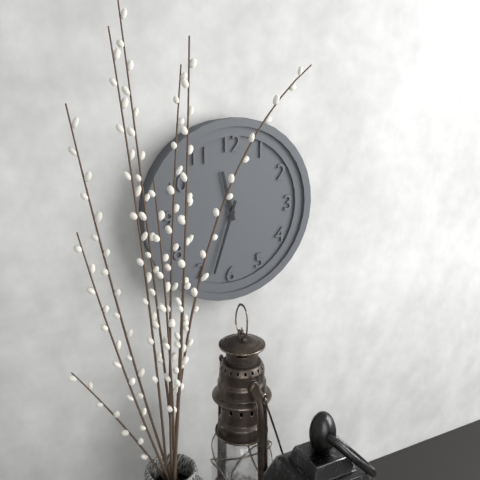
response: 11 h 33 min
